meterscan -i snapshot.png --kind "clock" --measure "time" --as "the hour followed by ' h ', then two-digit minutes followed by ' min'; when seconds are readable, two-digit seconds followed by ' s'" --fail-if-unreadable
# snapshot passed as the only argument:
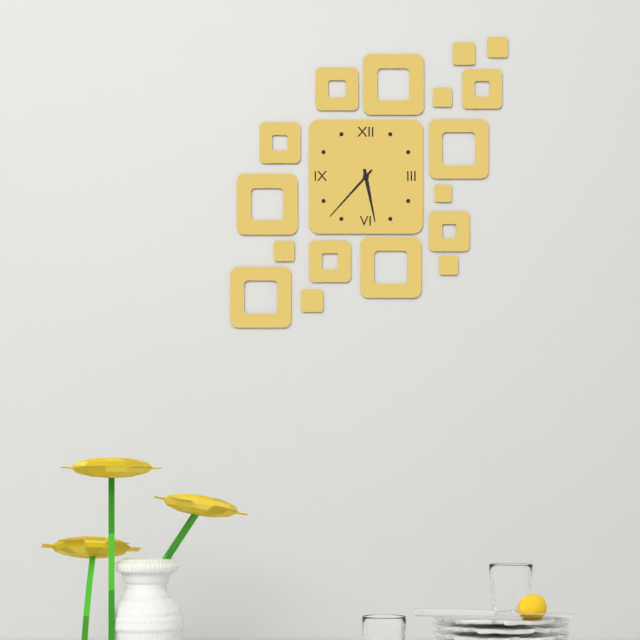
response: 5 h 37 min
